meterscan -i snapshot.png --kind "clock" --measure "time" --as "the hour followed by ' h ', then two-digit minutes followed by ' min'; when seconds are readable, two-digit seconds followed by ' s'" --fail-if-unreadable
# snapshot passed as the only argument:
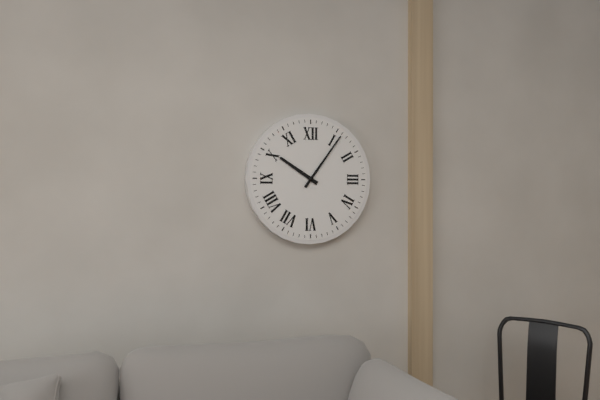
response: 10 h 06 min
